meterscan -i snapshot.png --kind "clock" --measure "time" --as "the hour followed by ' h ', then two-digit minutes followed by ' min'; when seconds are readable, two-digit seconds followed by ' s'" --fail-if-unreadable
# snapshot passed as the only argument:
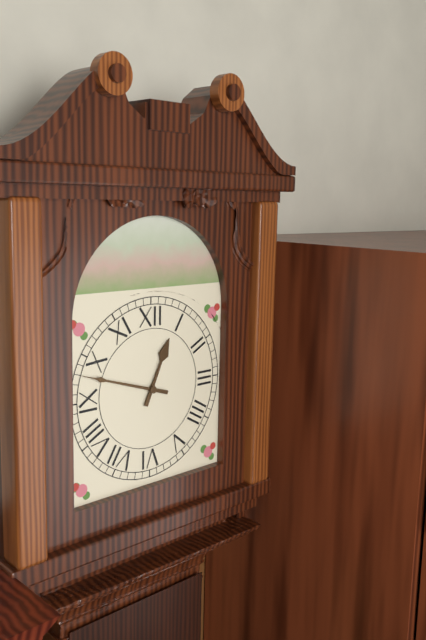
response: 12 h 48 min
